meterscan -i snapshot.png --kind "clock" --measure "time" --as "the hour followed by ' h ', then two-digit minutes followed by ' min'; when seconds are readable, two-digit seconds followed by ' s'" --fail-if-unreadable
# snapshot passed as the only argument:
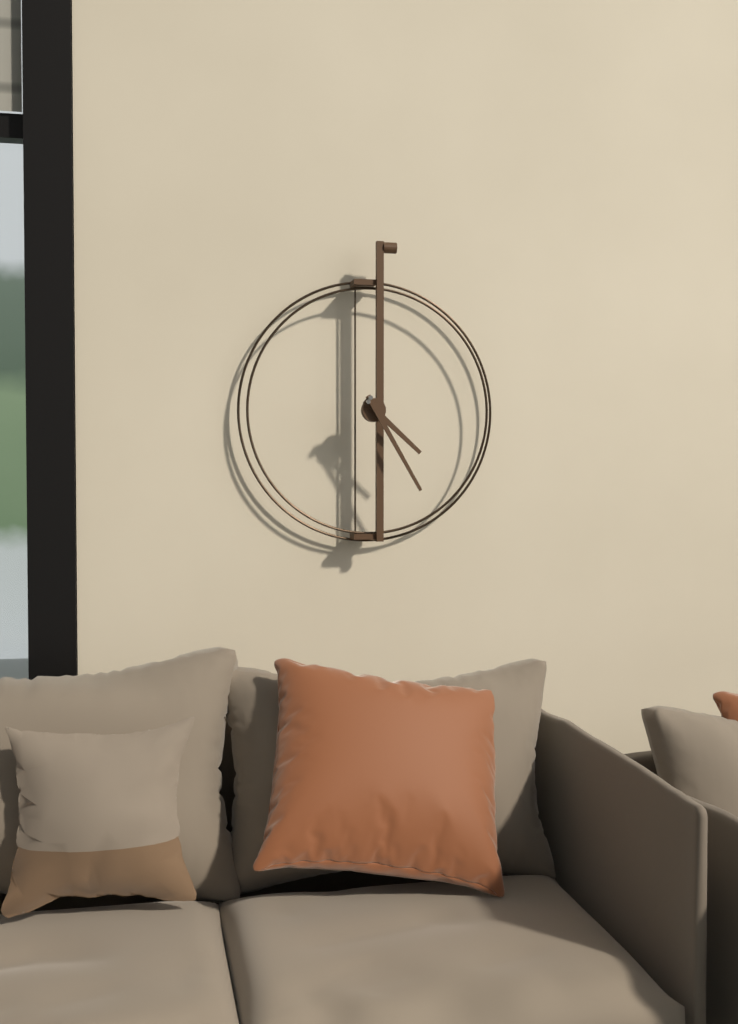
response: 4 h 25 min
